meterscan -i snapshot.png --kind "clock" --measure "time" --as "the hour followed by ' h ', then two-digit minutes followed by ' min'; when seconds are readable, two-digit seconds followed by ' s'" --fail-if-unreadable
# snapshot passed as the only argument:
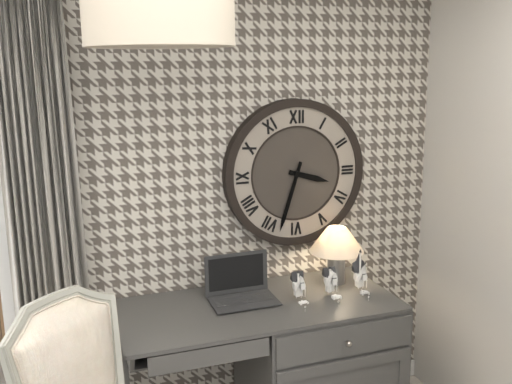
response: 3 h 33 min
